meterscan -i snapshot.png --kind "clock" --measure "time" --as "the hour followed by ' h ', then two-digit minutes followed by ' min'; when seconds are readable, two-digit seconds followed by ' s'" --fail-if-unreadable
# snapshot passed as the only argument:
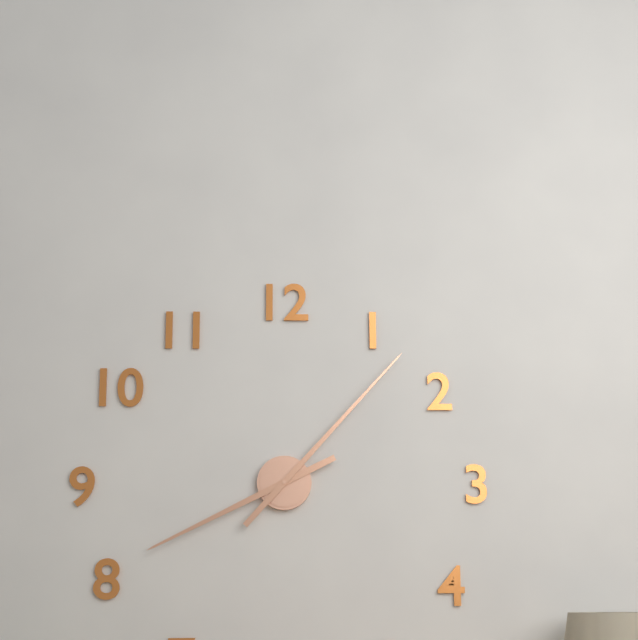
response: 8 h 07 min
